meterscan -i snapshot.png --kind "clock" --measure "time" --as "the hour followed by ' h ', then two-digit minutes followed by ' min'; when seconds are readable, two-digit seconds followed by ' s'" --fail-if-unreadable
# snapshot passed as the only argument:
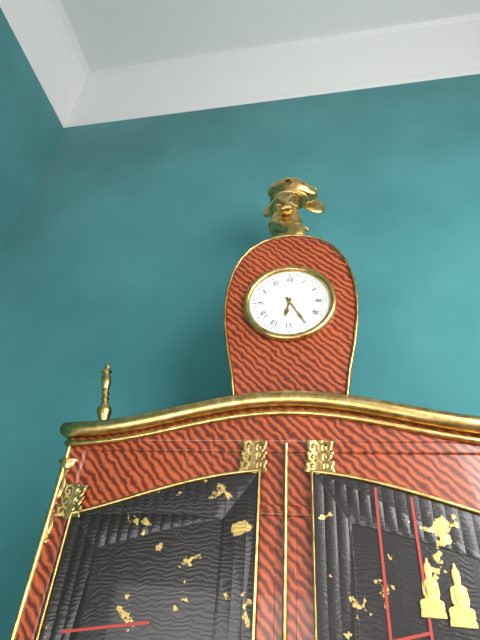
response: 6 h 25 min
